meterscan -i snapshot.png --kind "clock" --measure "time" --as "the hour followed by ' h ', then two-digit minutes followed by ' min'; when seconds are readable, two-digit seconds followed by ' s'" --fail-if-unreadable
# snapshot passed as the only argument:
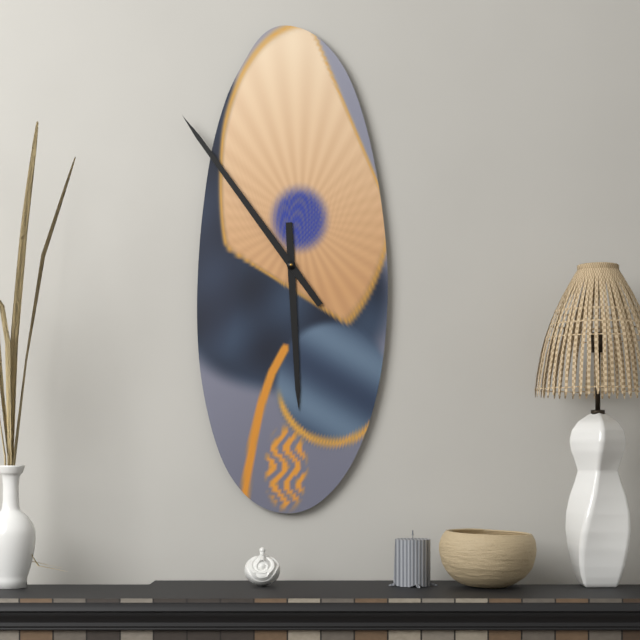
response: 5 h 54 min
